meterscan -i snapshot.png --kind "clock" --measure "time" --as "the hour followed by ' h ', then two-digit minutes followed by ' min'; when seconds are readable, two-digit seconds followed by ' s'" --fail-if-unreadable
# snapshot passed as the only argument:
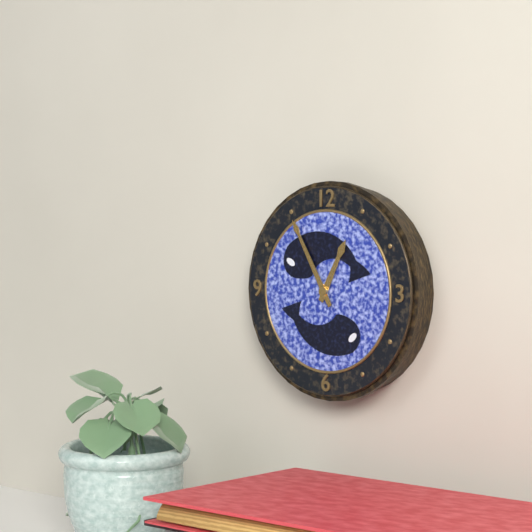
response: 12 h 55 min
